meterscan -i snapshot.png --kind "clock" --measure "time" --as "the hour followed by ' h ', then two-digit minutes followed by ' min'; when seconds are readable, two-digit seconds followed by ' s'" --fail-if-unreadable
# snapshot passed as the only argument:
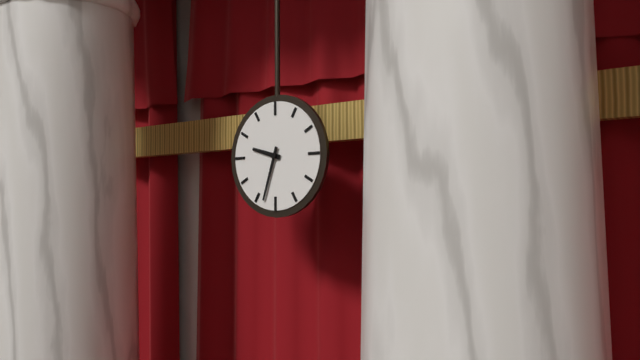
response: 9 h 33 min
